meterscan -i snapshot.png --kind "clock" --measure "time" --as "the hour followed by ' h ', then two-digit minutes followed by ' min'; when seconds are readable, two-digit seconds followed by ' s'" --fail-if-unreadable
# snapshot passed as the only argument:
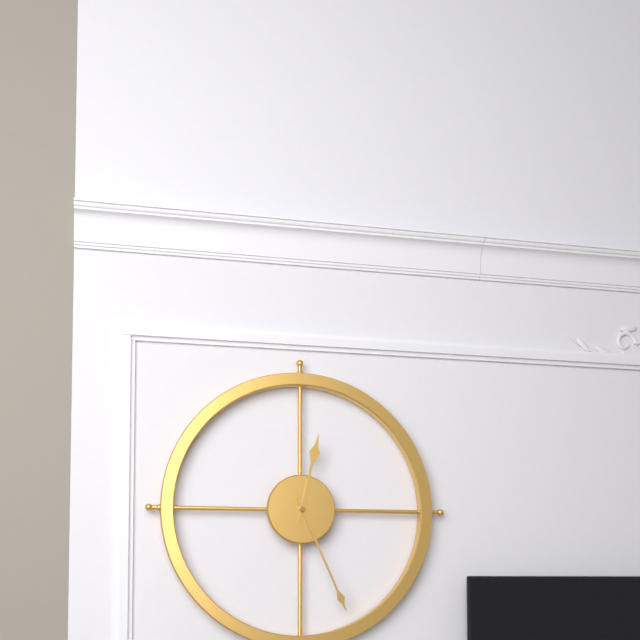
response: 12 h 26 min
